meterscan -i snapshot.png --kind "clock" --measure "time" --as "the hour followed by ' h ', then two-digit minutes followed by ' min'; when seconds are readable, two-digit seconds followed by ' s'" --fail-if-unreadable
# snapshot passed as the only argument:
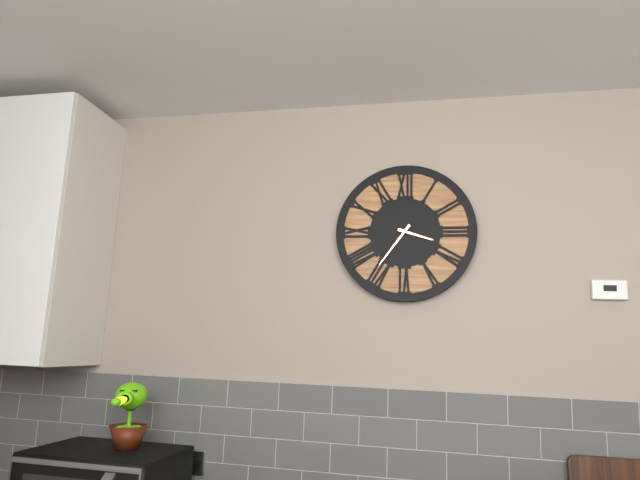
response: 3 h 36 min
